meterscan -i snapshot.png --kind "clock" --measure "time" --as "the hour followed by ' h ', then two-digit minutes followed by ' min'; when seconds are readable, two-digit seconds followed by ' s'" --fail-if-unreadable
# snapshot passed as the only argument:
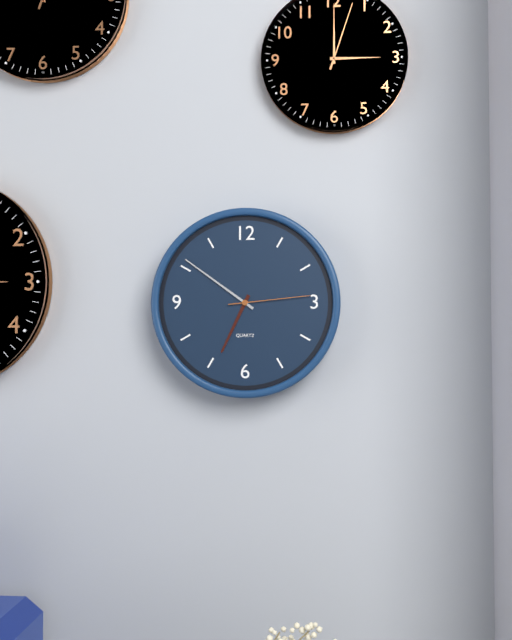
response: 6 h 51 min 14 s
